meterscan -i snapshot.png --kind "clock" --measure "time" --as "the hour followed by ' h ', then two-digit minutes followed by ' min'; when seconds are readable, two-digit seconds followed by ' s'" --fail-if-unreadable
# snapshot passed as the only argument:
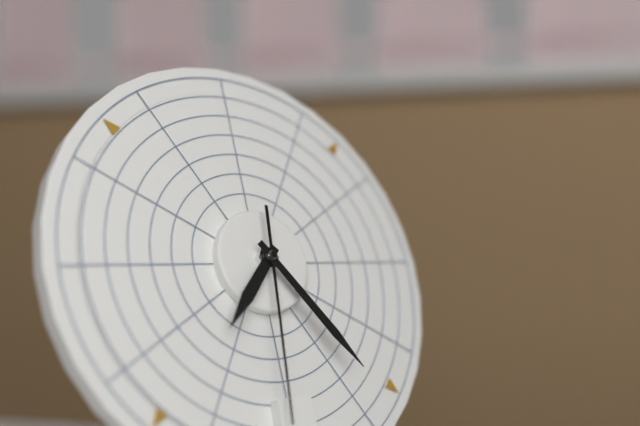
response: 7 h 24 min 31 s
